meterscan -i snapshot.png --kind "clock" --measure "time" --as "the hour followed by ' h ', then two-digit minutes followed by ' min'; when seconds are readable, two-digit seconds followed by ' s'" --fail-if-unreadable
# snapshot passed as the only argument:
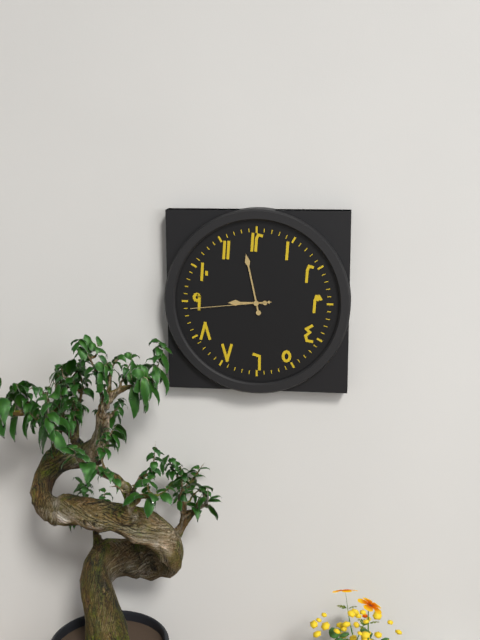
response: 8 h 58 min 44 s
